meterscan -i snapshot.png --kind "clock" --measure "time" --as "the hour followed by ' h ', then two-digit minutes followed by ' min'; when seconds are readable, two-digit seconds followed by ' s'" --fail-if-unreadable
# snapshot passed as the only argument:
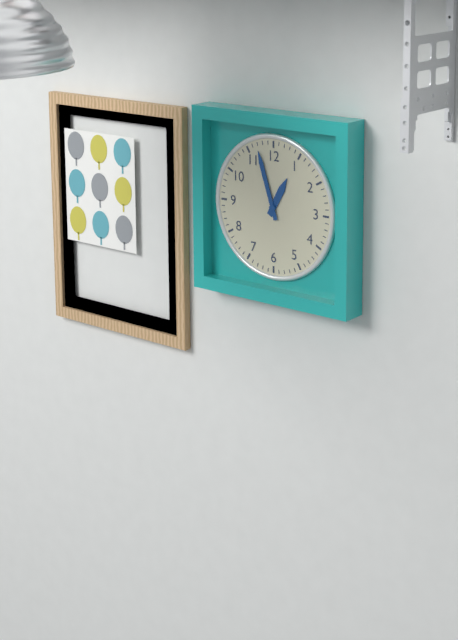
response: 12 h 57 min
